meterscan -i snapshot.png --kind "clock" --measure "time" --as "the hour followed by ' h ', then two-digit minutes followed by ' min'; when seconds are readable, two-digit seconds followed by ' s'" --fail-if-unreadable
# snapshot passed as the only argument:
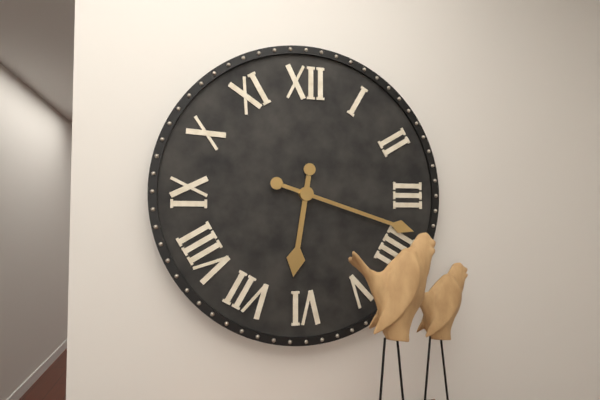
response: 6 h 18 min
